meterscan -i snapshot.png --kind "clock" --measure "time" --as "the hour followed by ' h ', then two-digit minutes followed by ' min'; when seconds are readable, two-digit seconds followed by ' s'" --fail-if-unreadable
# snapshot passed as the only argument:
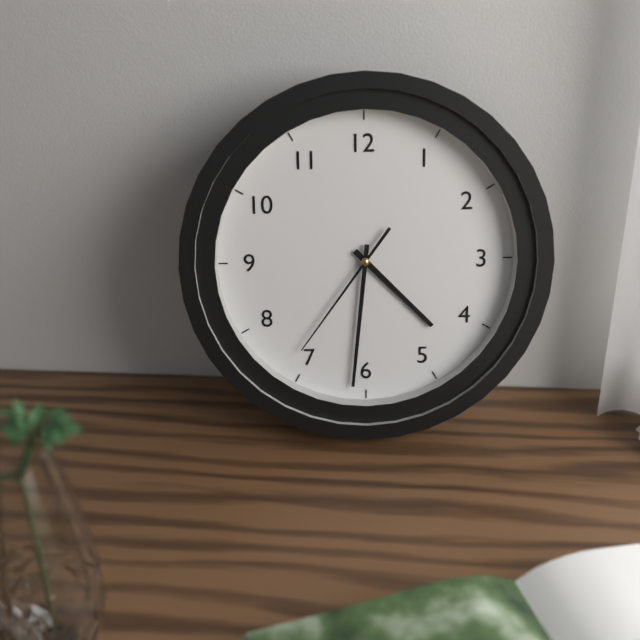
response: 4 h 31 min 36 s
